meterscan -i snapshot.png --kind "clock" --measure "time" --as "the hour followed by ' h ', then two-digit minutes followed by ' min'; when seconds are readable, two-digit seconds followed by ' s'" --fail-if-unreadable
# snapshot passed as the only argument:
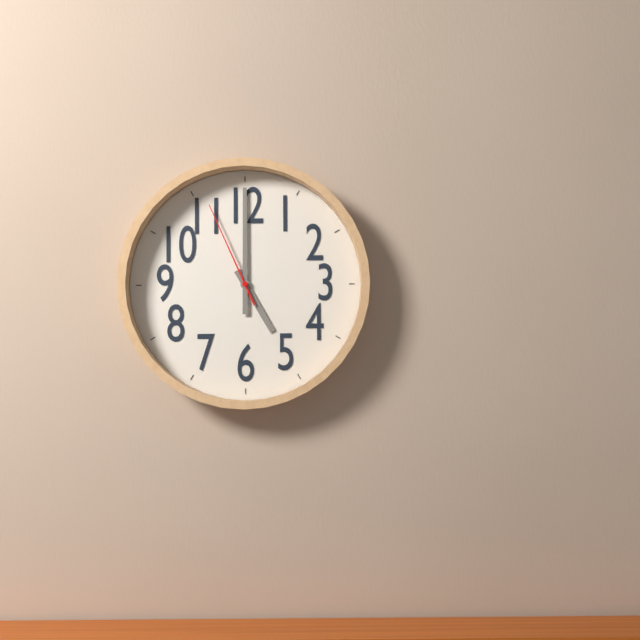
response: 5 h 00 min 56 s
